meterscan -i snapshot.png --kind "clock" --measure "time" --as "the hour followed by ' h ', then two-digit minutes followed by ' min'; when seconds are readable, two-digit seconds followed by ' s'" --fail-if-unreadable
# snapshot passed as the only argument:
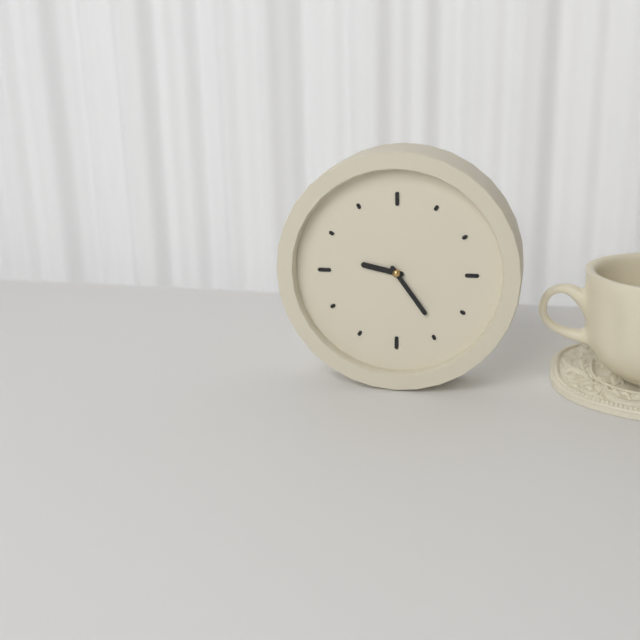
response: 9 h 24 min
